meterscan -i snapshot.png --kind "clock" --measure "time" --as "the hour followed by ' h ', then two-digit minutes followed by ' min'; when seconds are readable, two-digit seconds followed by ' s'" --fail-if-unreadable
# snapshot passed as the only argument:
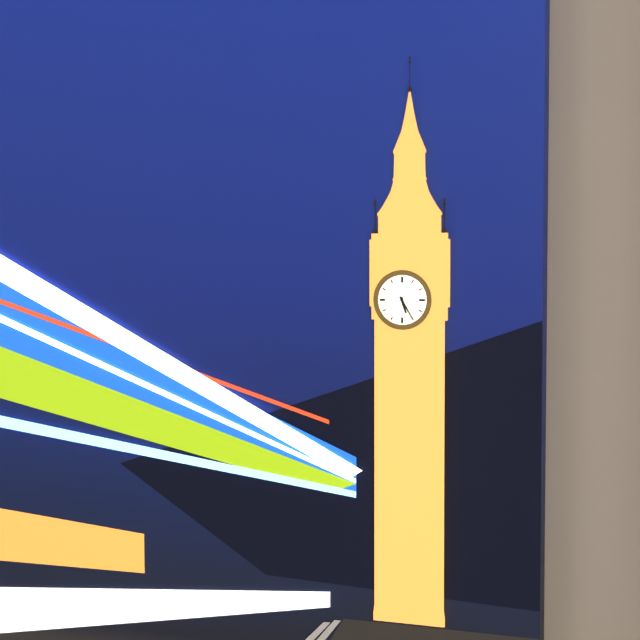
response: 5 h 25 min
